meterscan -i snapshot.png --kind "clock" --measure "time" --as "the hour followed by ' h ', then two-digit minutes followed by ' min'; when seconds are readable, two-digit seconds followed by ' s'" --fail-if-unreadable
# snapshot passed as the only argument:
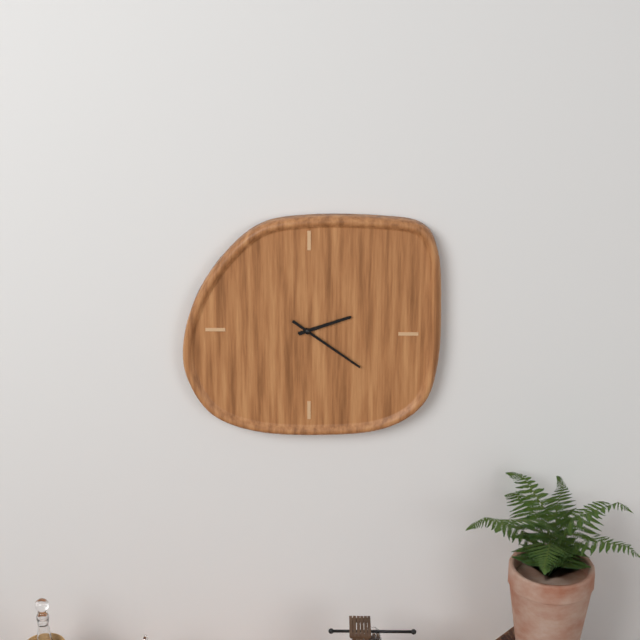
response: 2 h 21 min
